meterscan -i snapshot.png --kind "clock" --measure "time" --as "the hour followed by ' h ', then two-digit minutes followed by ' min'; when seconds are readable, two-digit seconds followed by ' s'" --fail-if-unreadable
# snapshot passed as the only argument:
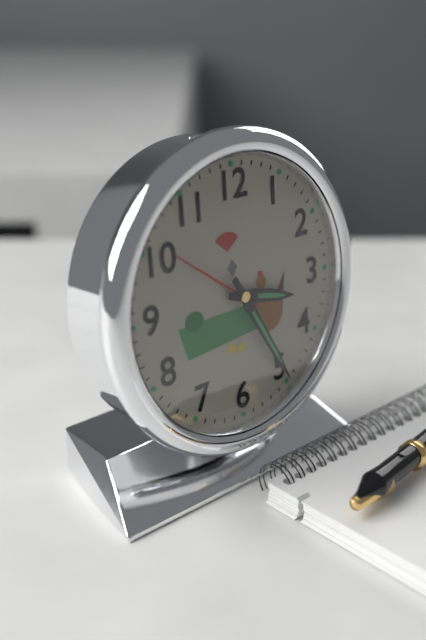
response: 3 h 25 min
